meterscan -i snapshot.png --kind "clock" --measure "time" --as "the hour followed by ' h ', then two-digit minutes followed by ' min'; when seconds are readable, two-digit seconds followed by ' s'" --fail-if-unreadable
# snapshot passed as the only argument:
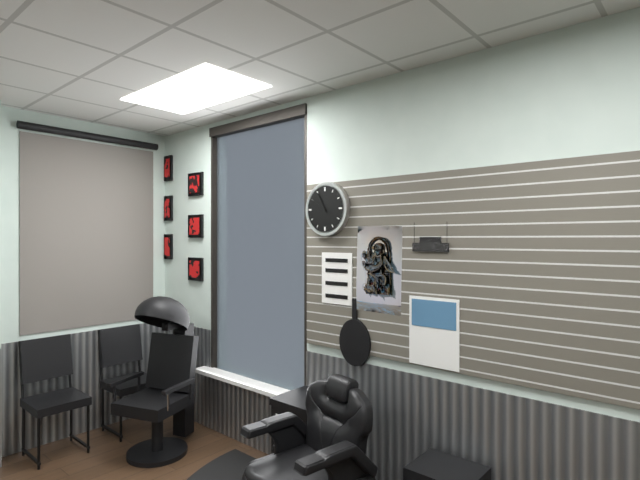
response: 9 h 55 min
